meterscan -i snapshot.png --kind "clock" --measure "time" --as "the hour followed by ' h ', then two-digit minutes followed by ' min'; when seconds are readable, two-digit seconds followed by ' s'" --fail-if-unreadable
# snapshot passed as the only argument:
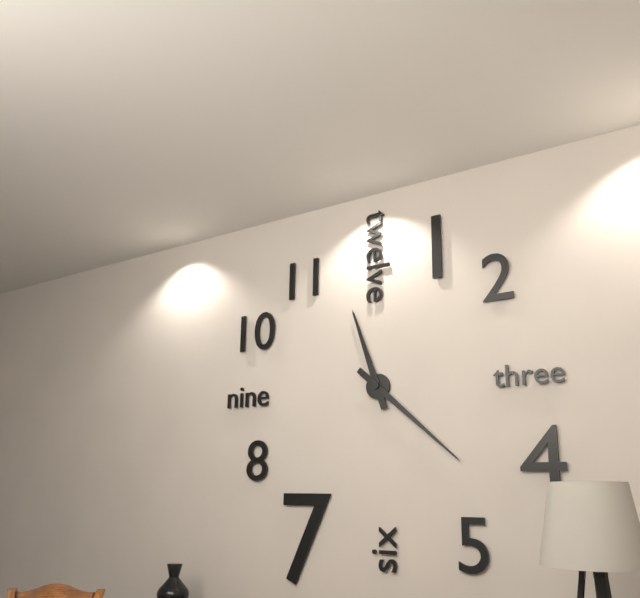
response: 11 h 22 min
